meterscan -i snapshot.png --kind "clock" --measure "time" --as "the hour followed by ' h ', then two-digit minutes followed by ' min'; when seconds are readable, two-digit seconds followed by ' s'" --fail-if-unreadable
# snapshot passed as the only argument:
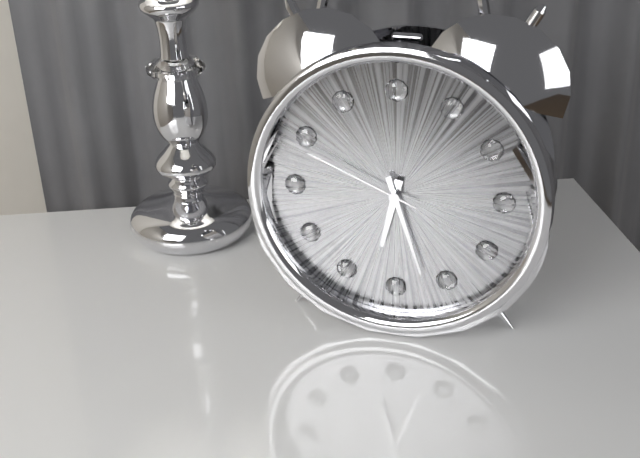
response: 6 h 27 min 49 s
